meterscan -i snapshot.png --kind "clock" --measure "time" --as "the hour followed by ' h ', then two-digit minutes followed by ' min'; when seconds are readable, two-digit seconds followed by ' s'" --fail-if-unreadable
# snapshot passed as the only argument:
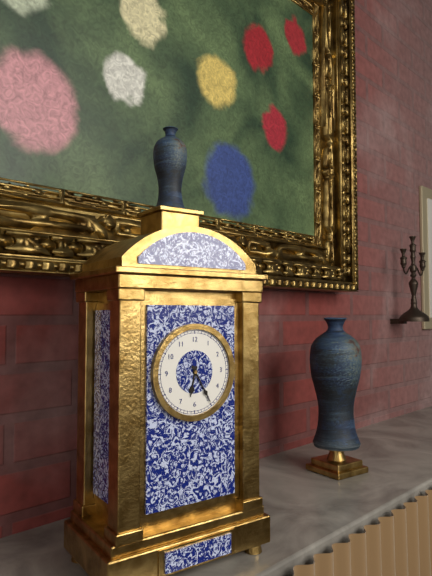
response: 6 h 25 min
